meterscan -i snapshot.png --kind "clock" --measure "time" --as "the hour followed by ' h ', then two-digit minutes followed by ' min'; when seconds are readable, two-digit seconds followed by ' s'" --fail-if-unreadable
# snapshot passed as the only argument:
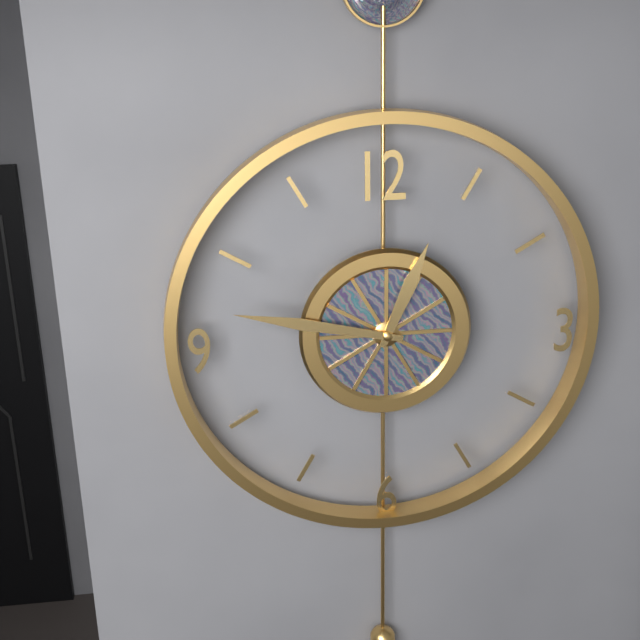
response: 12 h 47 min
